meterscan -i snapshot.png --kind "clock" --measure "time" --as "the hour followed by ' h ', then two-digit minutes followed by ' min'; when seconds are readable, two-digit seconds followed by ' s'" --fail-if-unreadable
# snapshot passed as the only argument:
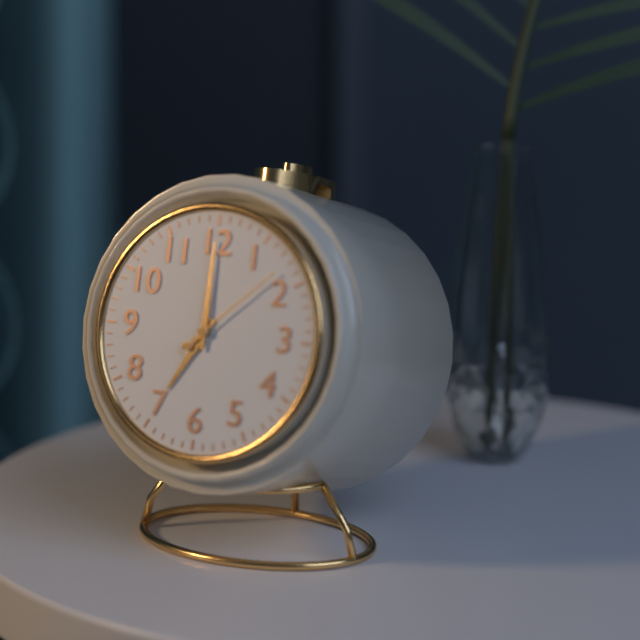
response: 7 h 00 min 08 s
